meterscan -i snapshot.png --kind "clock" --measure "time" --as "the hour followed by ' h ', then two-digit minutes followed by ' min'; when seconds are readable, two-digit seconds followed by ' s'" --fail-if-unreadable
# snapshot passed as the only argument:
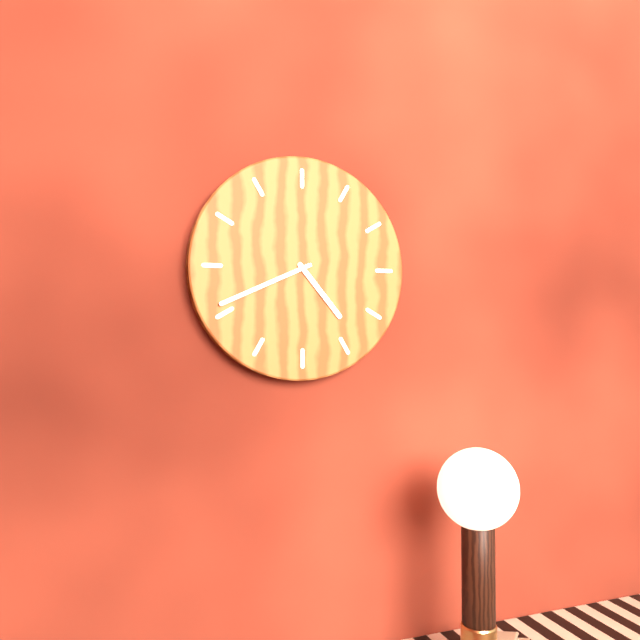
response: 4 h 41 min
